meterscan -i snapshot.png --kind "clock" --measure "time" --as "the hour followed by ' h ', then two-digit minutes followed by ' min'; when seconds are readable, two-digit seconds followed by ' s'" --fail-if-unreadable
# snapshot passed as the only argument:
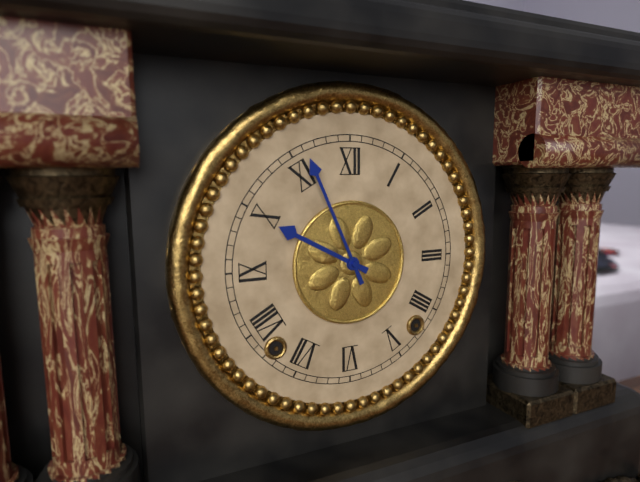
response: 9 h 56 min
